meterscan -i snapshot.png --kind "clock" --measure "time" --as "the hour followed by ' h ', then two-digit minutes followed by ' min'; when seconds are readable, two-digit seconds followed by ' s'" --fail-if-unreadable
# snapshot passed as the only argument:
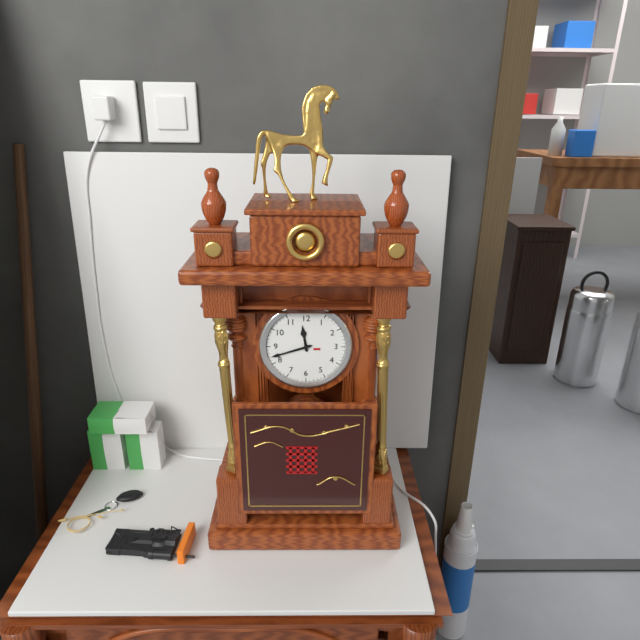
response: 11 h 42 min
